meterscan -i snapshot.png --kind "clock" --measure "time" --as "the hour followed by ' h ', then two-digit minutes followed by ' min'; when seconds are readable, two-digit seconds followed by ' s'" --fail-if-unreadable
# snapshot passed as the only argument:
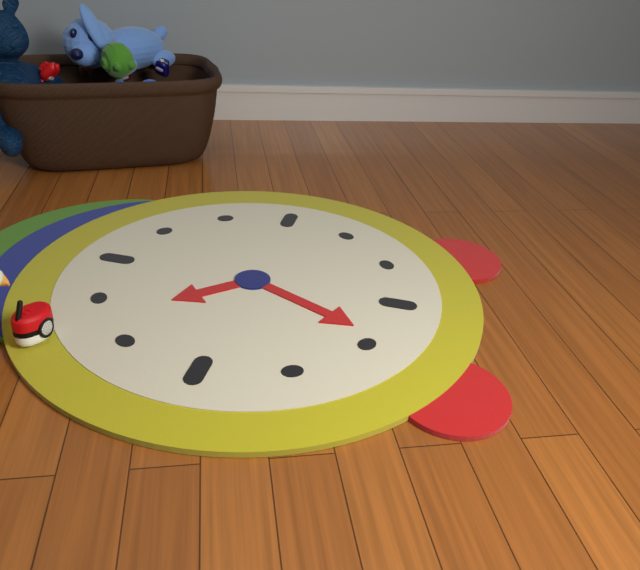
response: 10 h 34 min
